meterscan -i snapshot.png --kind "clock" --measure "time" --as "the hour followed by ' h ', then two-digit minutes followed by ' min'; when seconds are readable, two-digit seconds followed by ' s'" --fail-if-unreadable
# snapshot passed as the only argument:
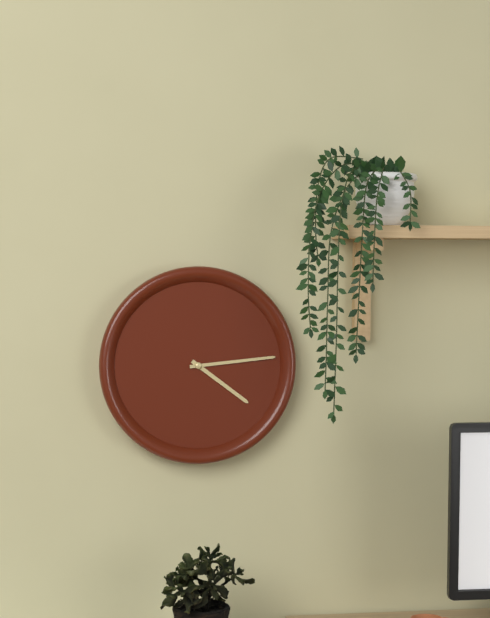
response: 4 h 14 min
